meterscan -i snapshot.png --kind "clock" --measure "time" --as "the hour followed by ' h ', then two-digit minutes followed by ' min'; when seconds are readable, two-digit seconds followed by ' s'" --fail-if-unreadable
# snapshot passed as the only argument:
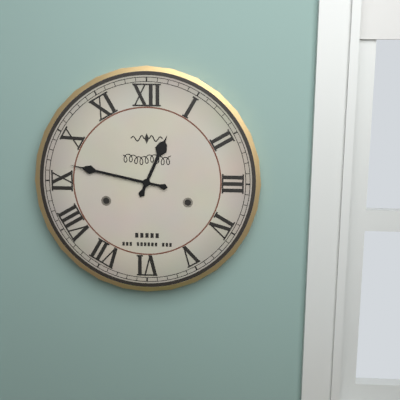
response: 12 h 47 min
